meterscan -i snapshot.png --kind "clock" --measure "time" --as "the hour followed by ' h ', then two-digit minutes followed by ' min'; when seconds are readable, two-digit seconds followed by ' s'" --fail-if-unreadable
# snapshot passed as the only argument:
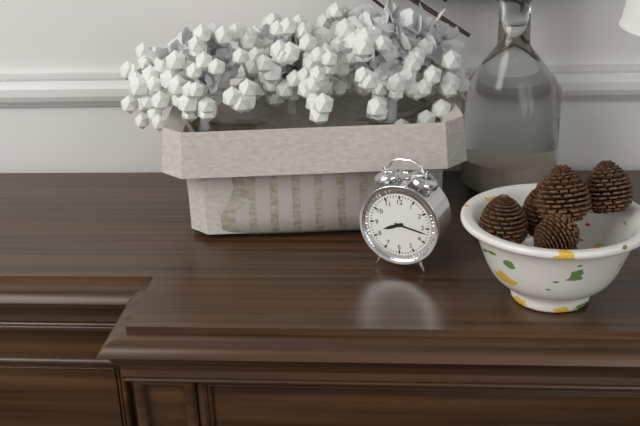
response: 8 h 17 min
